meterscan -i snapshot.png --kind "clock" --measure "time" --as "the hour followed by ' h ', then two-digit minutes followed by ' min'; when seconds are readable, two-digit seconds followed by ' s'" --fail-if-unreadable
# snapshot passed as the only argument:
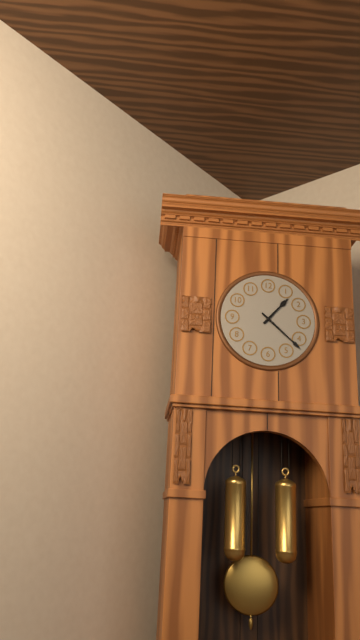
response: 1 h 22 min
